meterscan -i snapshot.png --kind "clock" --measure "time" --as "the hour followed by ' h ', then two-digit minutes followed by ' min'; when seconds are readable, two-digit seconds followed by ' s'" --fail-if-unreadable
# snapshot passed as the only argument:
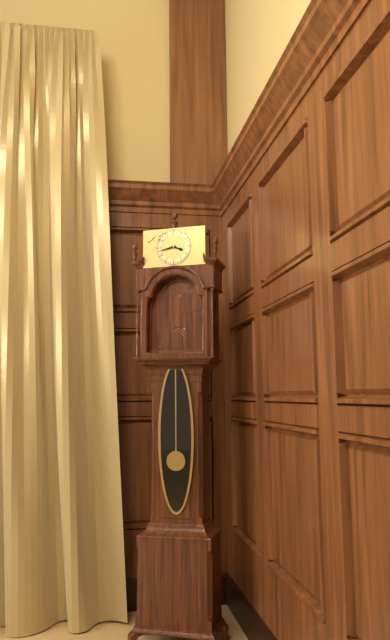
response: 3 h 43 min
